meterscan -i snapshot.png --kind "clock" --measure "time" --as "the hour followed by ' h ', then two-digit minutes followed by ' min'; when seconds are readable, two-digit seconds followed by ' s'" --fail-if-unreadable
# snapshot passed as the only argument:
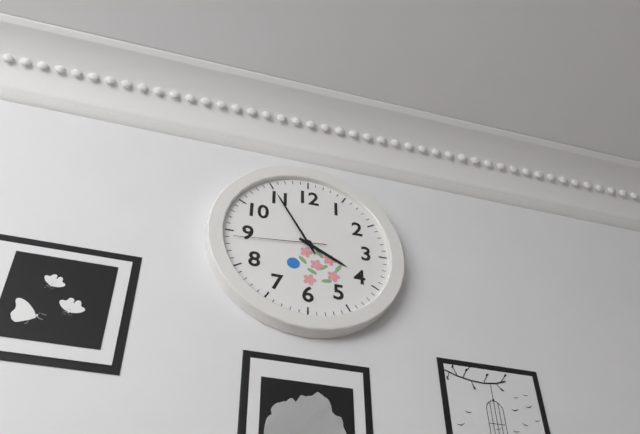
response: 3 h 55 min 44 s
